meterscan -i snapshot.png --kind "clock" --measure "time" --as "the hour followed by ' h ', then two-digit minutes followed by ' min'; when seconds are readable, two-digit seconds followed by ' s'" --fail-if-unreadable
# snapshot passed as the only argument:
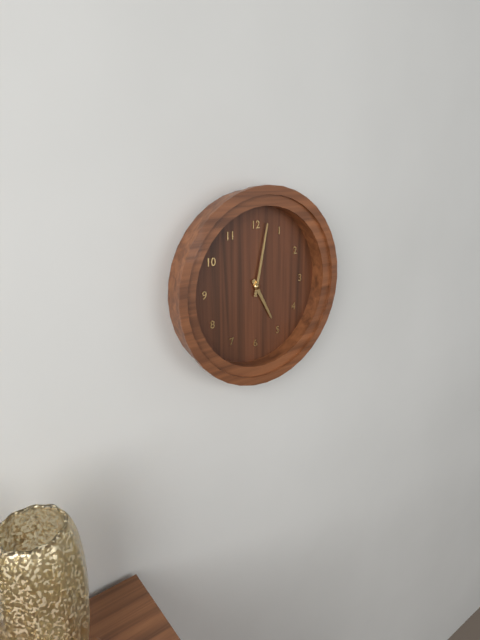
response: 5 h 02 min
